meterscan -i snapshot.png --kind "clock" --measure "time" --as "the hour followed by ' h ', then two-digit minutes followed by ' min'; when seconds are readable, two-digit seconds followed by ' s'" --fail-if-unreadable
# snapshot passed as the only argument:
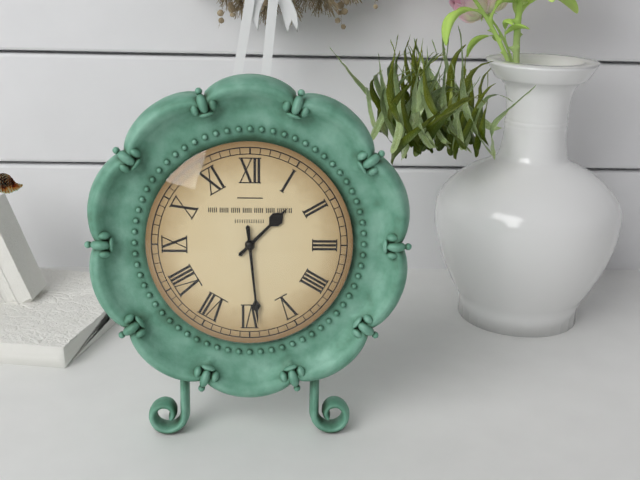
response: 1 h 29 min
